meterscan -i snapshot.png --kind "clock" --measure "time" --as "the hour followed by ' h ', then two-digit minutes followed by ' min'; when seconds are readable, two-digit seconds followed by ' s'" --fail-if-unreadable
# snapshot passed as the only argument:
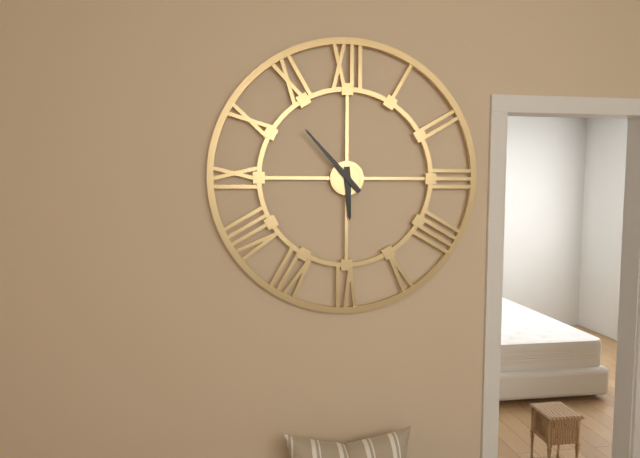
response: 5 h 53 min
